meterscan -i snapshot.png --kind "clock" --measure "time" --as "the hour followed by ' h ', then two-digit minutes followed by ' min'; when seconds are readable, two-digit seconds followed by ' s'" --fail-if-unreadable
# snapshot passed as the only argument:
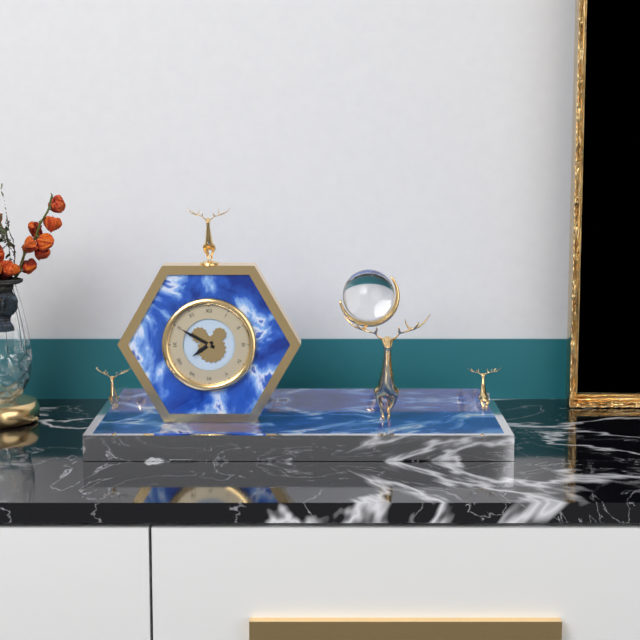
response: 7 h 50 min
